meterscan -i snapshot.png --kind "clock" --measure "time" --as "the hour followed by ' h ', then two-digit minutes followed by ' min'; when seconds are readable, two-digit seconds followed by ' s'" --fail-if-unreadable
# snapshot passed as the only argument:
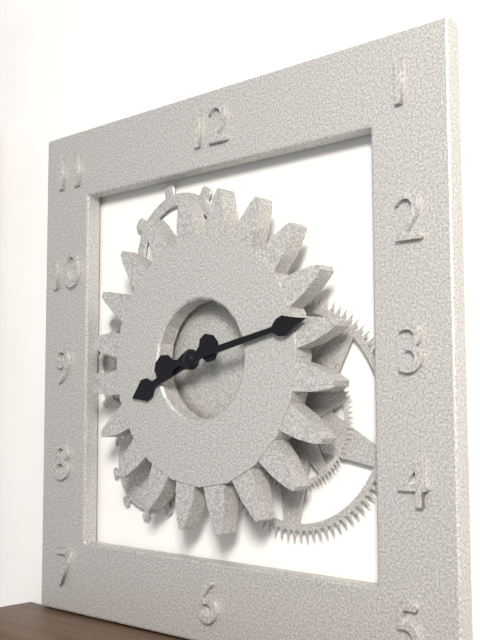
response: 8 h 13 min
